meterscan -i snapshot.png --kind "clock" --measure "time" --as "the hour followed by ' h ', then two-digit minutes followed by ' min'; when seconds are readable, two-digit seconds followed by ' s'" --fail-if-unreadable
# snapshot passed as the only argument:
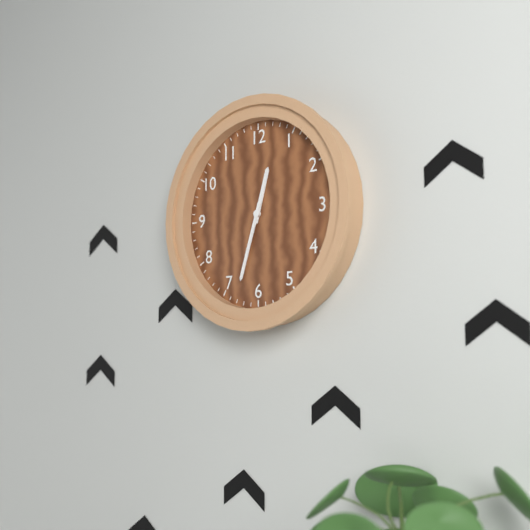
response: 12 h 33 min
